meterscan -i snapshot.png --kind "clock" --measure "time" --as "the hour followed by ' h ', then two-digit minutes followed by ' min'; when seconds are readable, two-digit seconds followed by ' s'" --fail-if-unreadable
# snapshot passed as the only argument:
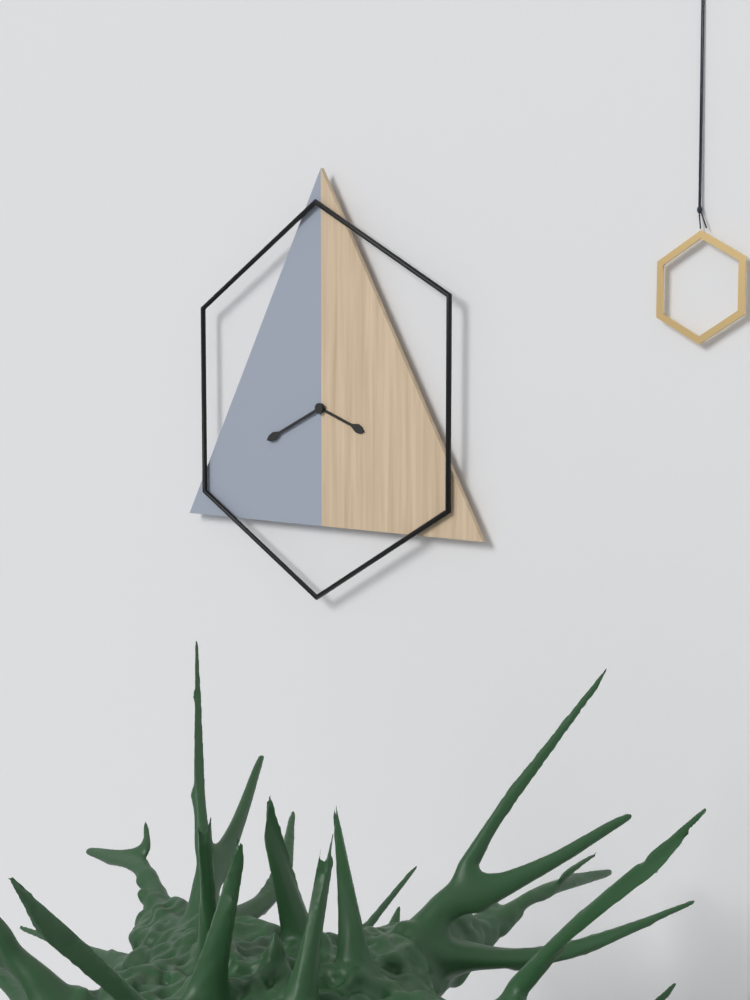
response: 3 h 41 min
